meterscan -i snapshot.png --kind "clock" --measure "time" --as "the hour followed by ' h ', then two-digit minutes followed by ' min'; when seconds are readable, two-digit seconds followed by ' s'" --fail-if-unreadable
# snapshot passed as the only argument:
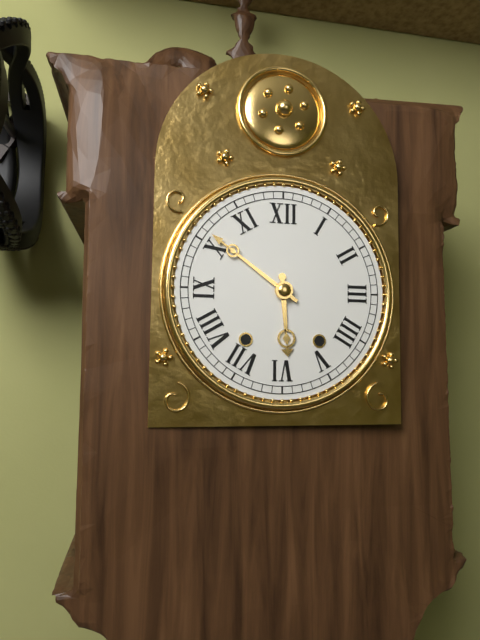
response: 5 h 51 min
